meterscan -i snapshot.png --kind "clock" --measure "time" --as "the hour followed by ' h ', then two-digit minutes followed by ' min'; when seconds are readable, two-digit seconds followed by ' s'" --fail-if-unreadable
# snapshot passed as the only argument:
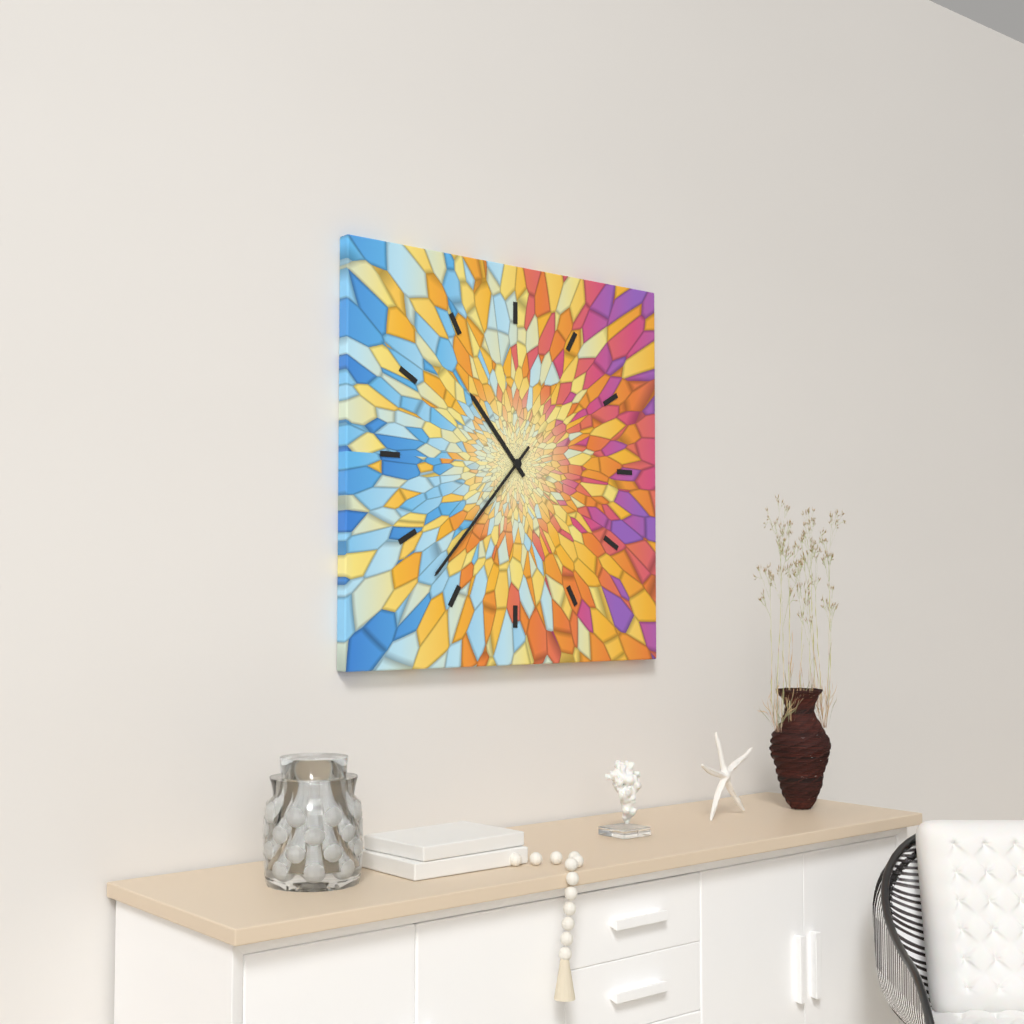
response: 10 h 37 min
